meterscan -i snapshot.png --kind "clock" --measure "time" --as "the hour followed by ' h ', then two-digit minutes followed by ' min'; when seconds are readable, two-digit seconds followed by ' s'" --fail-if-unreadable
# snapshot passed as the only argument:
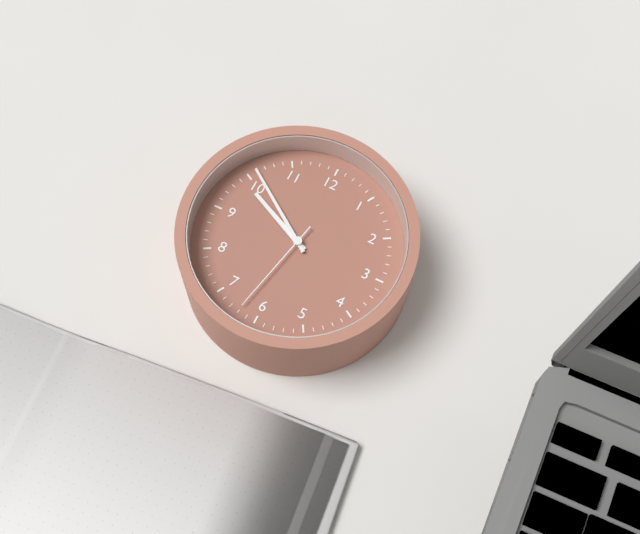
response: 9 h 51 min 32 s
